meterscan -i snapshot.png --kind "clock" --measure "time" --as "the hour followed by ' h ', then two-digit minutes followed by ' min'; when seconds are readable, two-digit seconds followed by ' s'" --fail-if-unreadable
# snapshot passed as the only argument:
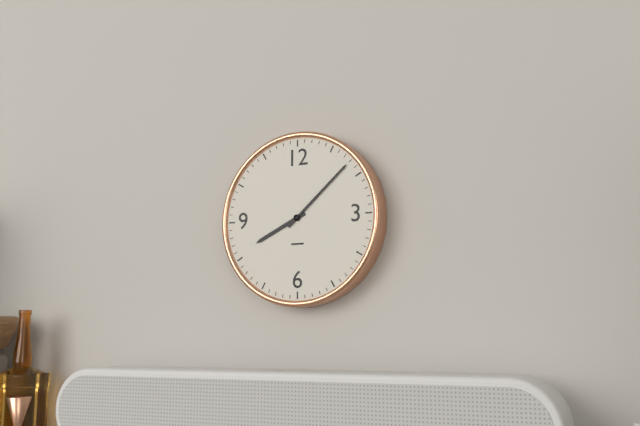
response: 8 h 08 min
